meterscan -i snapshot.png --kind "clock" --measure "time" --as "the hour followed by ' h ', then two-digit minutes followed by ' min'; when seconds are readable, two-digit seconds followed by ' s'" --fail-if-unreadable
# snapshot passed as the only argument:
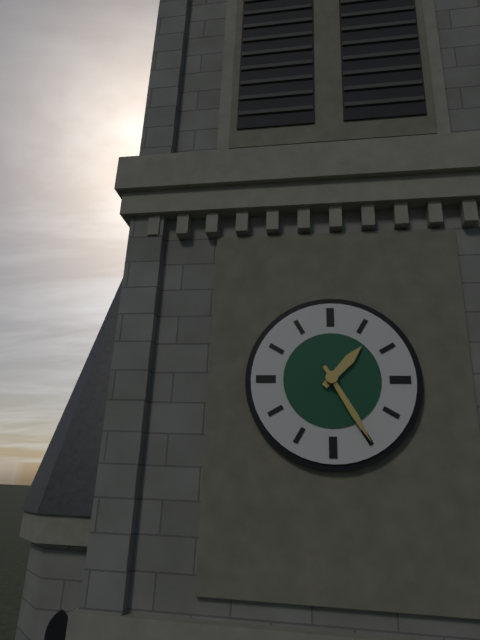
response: 1 h 25 min
